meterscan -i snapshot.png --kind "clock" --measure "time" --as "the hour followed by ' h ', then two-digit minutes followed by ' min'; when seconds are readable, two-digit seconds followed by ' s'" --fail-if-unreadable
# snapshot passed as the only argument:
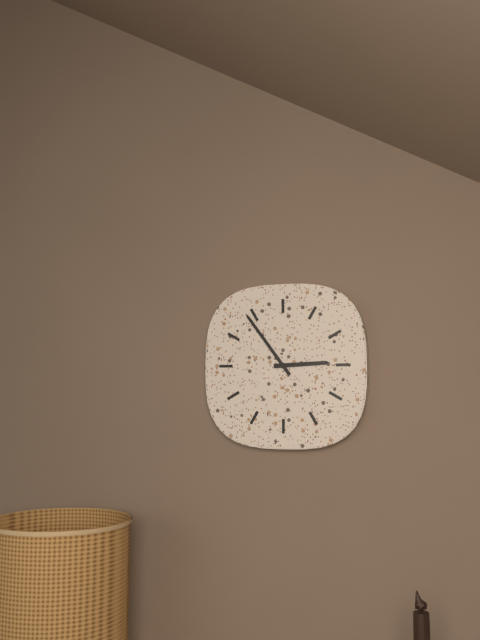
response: 2 h 54 min
